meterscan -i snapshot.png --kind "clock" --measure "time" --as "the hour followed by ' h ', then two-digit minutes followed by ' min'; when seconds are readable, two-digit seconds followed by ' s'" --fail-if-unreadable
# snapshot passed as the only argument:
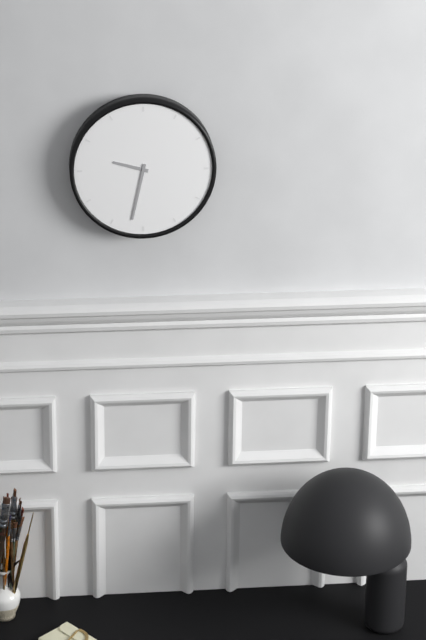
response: 9 h 32 min
